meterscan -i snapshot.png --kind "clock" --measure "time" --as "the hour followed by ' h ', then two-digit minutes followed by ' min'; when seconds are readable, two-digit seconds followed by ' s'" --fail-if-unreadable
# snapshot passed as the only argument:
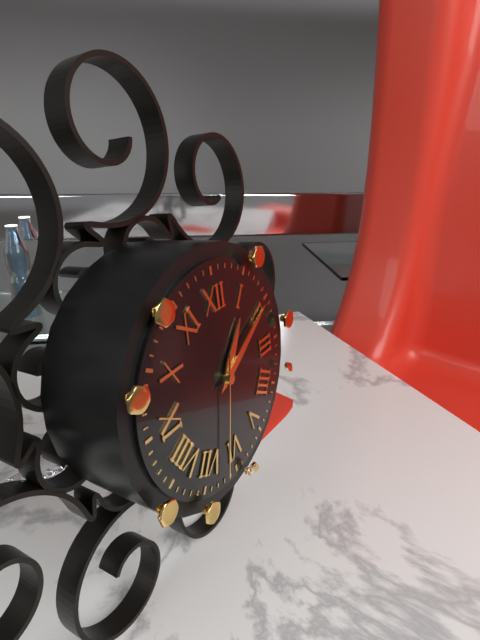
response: 1 h 10 min 32 s
